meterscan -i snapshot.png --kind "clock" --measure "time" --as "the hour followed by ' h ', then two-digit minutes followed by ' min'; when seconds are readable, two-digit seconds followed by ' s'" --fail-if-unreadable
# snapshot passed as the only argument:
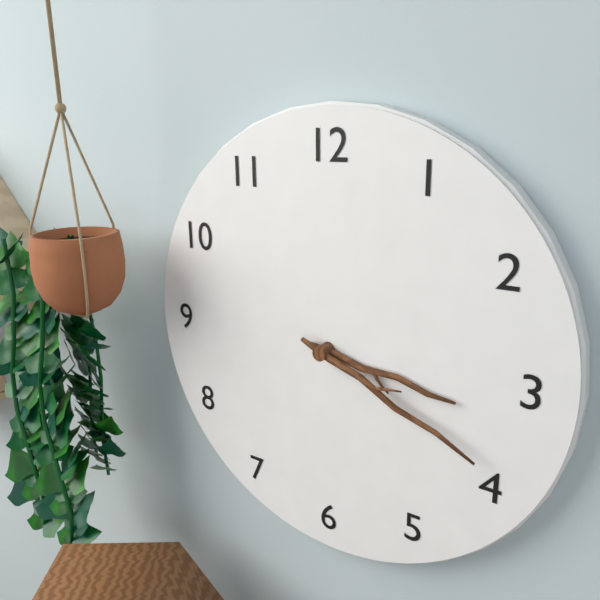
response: 3 h 19 min
